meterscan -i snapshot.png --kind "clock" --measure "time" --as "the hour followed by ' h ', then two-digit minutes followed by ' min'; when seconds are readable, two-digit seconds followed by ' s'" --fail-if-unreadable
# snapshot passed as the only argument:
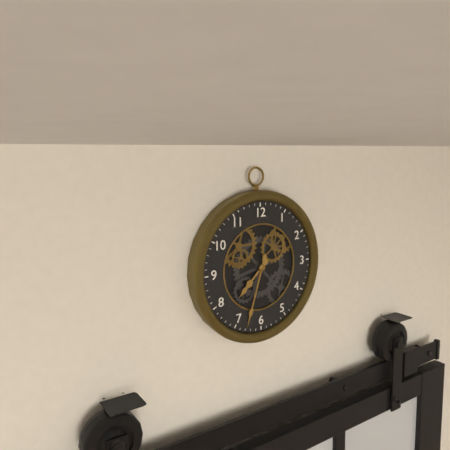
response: 7 h 33 min
